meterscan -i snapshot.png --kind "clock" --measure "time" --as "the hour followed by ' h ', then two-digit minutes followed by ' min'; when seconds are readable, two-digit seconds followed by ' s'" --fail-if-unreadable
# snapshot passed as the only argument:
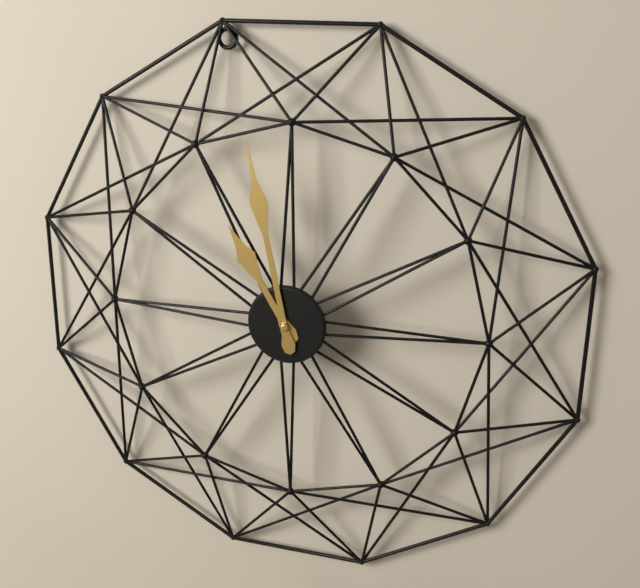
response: 10 h 58 min
